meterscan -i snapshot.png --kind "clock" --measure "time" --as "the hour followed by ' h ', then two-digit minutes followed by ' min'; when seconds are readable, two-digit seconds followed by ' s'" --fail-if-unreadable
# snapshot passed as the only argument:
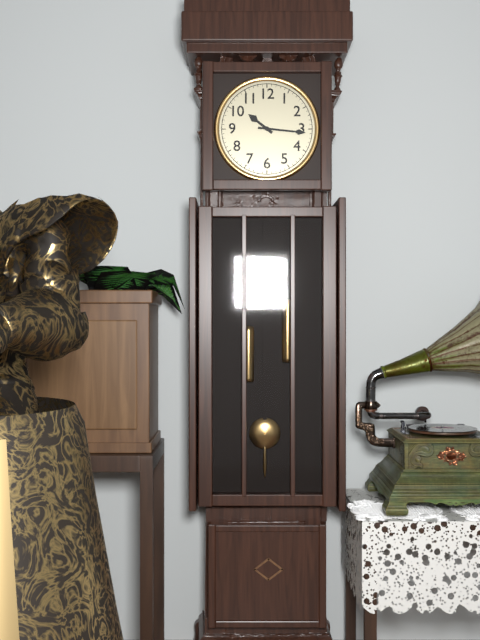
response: 10 h 16 min
